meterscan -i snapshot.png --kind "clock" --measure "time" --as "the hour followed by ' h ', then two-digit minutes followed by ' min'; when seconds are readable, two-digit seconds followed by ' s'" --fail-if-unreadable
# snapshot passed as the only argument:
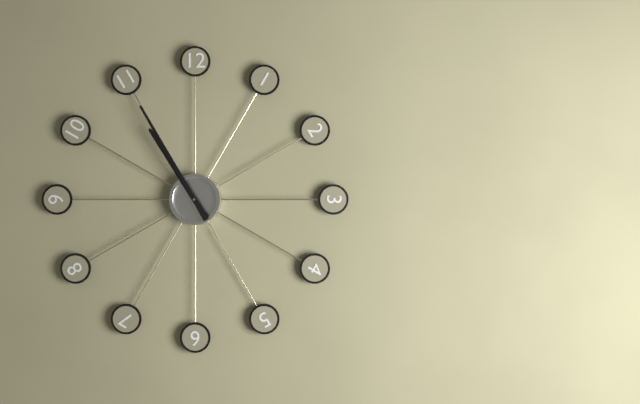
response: 10 h 55 min
